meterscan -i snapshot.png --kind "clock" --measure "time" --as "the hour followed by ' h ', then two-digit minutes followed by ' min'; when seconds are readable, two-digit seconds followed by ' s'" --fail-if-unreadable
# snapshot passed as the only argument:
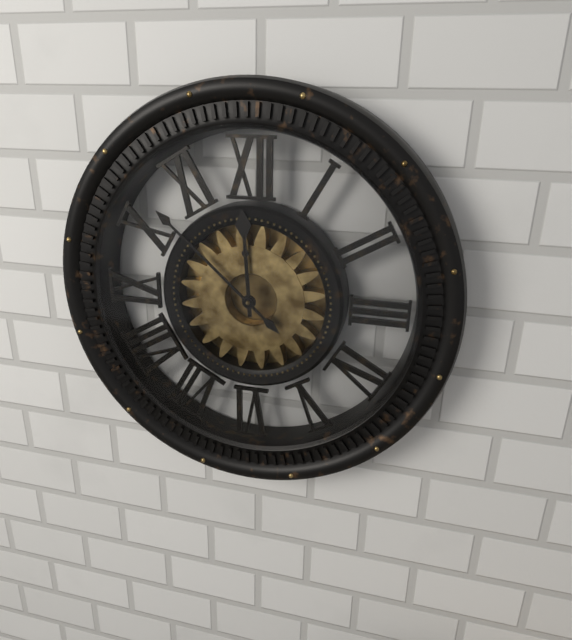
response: 11 h 52 min
